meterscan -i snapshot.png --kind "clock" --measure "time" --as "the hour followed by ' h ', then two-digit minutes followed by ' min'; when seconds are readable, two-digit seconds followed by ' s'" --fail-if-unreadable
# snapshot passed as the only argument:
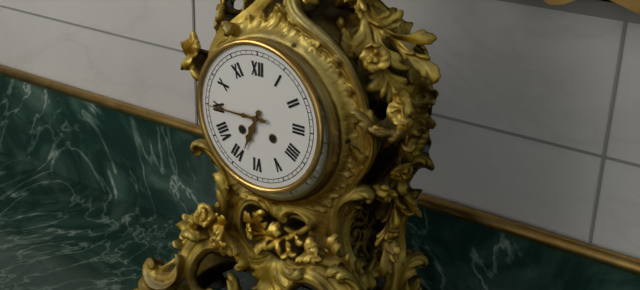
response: 6 h 45 min
